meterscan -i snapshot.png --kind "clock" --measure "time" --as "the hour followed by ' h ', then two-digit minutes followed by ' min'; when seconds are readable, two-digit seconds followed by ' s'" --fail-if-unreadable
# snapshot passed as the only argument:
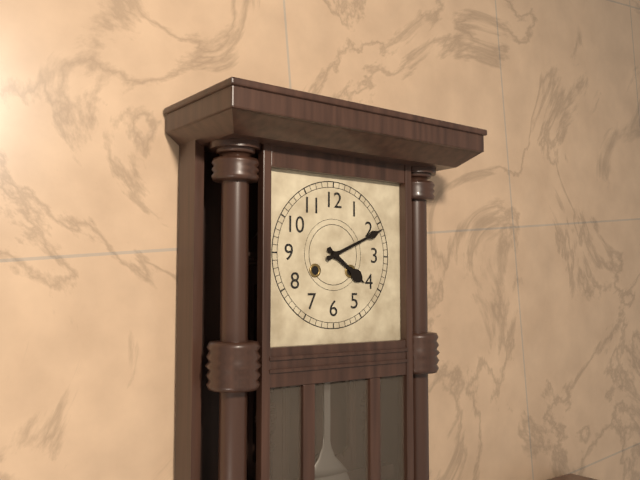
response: 4 h 11 min
